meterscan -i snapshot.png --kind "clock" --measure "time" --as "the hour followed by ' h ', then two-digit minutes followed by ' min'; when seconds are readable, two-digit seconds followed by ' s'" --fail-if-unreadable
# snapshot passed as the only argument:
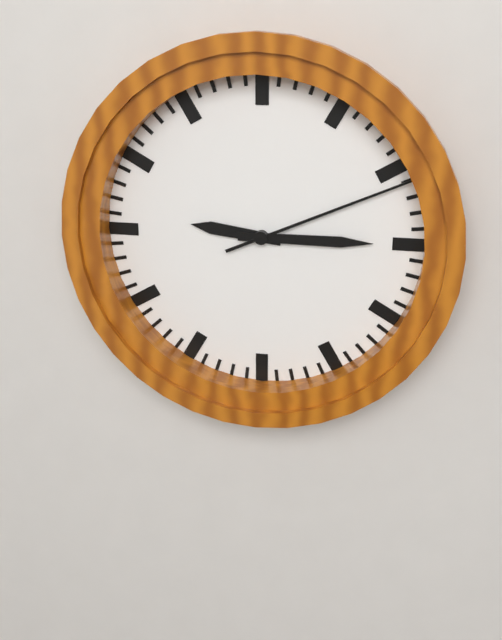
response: 9 h 15 min 11 s
